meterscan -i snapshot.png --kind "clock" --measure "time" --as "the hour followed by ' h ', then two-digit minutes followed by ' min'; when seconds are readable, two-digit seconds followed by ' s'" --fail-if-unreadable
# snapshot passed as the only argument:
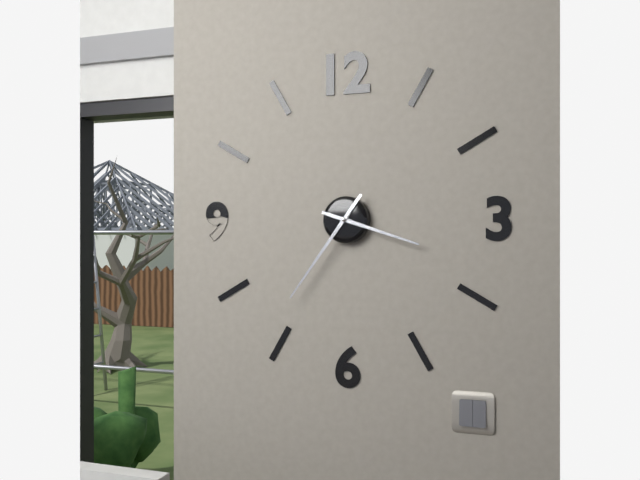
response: 3 h 36 min
